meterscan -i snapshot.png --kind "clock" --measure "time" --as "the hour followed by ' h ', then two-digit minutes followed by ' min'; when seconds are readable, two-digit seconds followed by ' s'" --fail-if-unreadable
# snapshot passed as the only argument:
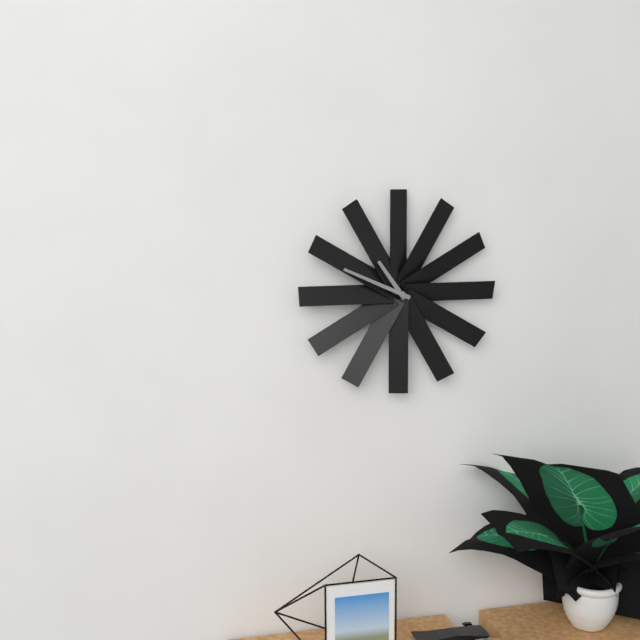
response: 10 h 49 min
